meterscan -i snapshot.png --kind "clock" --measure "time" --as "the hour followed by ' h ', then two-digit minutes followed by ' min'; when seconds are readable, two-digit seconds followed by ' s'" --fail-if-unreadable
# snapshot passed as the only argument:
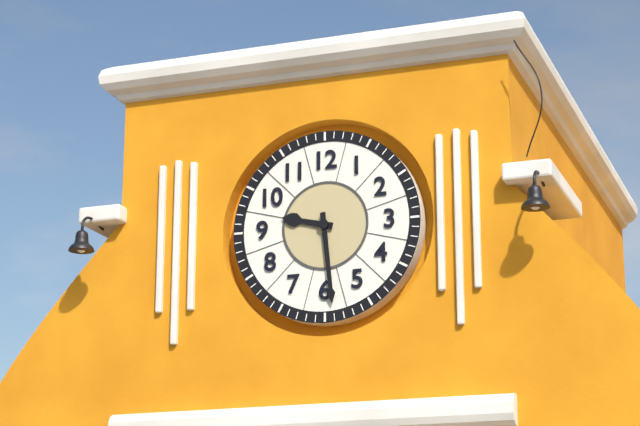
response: 9 h 29 min
